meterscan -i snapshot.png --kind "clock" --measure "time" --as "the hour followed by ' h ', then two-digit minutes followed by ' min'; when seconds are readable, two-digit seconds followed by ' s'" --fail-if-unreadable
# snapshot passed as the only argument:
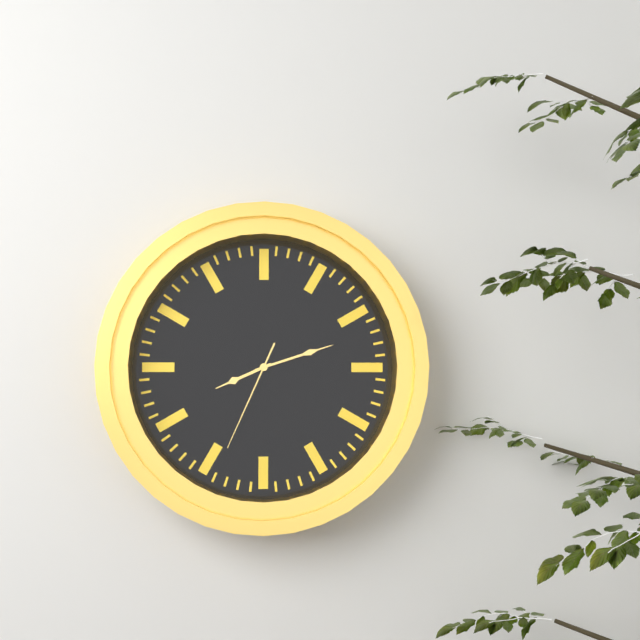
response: 8 h 12 min 34 s
